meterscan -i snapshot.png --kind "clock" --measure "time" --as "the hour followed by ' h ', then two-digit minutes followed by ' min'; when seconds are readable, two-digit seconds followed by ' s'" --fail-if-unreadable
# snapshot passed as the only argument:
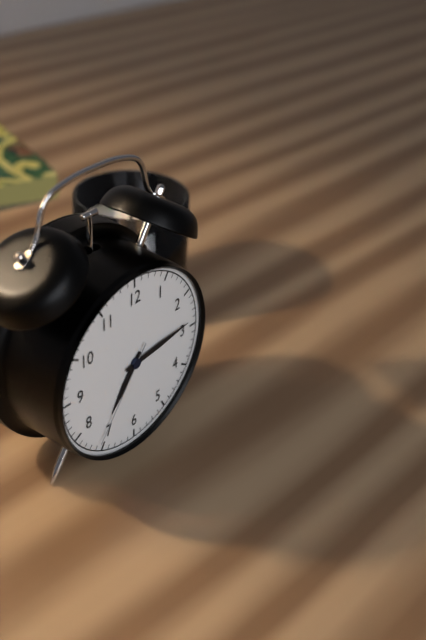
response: 7 h 14 min 36 s
